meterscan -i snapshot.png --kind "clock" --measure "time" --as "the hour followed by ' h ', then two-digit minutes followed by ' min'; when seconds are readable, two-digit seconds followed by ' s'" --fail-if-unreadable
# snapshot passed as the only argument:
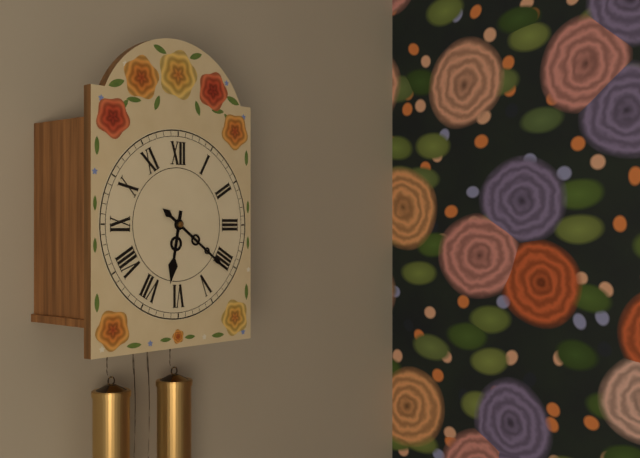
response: 6 h 21 min
